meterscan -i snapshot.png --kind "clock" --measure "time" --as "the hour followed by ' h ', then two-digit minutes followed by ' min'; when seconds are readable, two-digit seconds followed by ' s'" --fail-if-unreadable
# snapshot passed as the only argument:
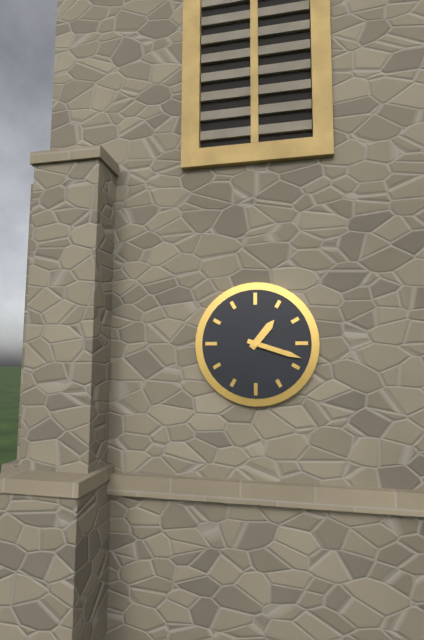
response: 1 h 18 min
